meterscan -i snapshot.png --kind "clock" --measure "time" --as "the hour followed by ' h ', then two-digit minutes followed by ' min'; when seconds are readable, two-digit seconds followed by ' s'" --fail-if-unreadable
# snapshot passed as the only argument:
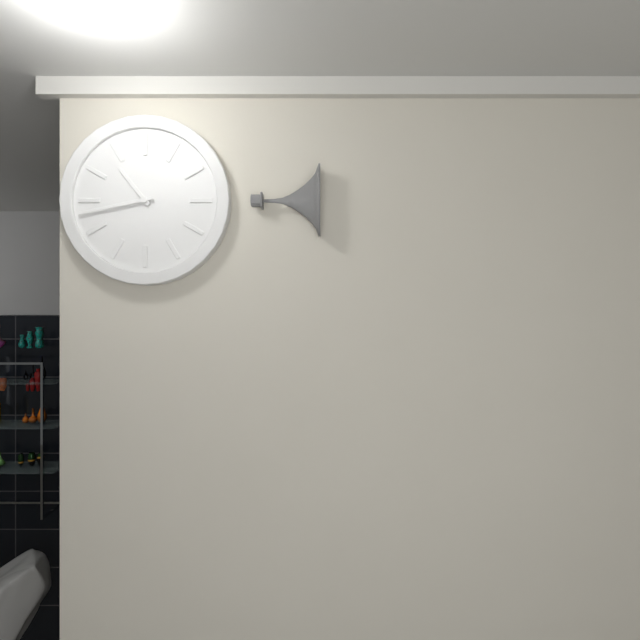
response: 10 h 43 min
